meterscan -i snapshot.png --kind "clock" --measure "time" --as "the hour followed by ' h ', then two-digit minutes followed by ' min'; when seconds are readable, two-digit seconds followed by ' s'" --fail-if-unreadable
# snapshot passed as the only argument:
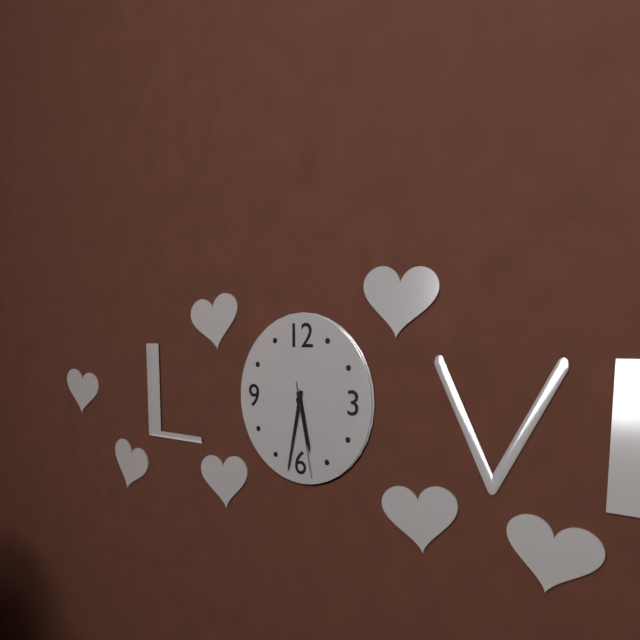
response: 5 h 32 min 28 s
